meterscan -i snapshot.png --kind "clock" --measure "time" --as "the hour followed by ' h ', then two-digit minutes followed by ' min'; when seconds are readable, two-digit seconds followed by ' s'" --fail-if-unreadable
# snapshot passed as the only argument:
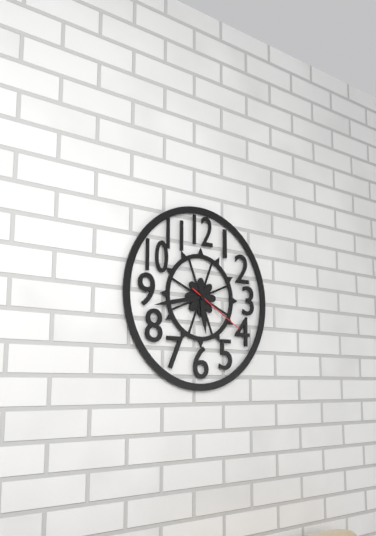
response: 5 h 43 min 20 s
